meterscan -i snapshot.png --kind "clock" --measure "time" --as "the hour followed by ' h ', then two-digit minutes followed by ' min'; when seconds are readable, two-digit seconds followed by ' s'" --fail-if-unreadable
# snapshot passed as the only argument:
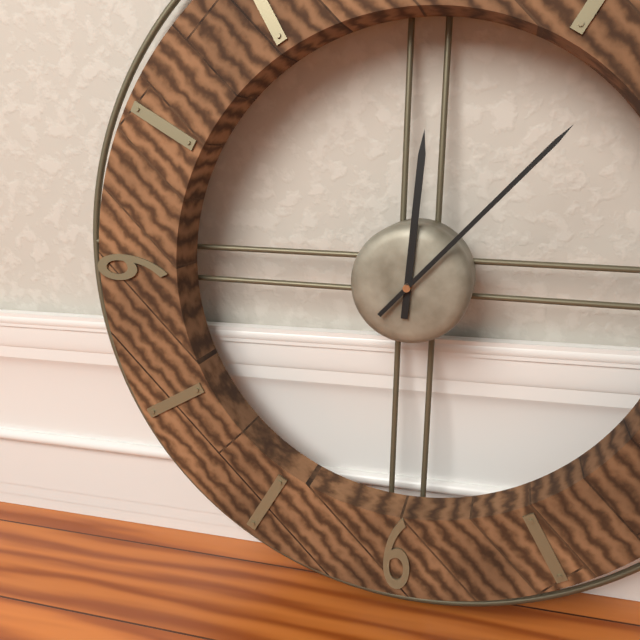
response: 12 h 07 min
